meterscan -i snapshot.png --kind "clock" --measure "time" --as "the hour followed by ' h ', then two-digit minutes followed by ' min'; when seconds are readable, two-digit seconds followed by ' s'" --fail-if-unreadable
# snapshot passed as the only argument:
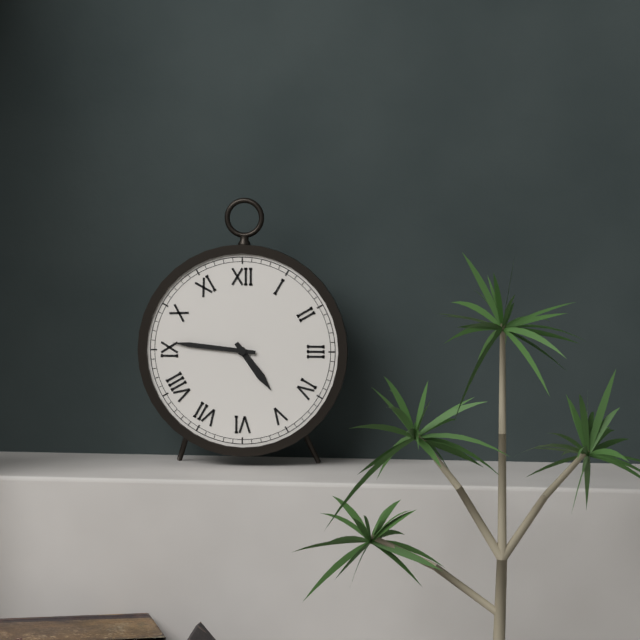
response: 4 h 46 min
